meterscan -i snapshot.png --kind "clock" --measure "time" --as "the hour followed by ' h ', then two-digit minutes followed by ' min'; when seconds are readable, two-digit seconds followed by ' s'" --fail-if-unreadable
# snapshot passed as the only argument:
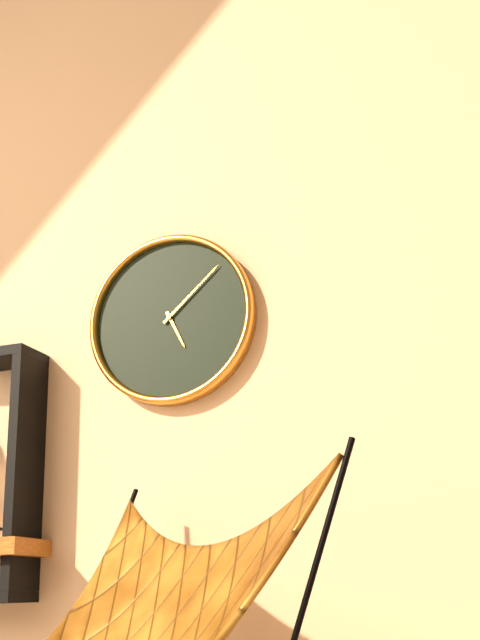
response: 5 h 08 min
